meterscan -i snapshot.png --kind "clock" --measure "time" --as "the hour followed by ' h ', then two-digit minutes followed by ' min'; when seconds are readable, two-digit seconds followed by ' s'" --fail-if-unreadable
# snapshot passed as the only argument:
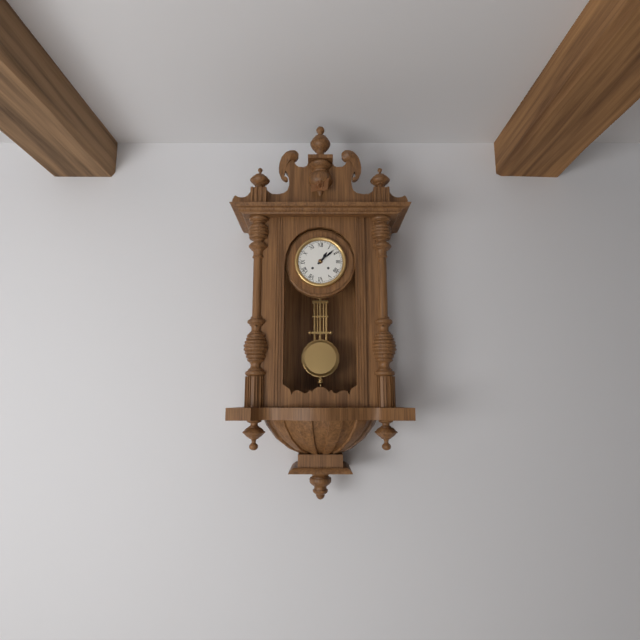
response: 1 h 08 min
